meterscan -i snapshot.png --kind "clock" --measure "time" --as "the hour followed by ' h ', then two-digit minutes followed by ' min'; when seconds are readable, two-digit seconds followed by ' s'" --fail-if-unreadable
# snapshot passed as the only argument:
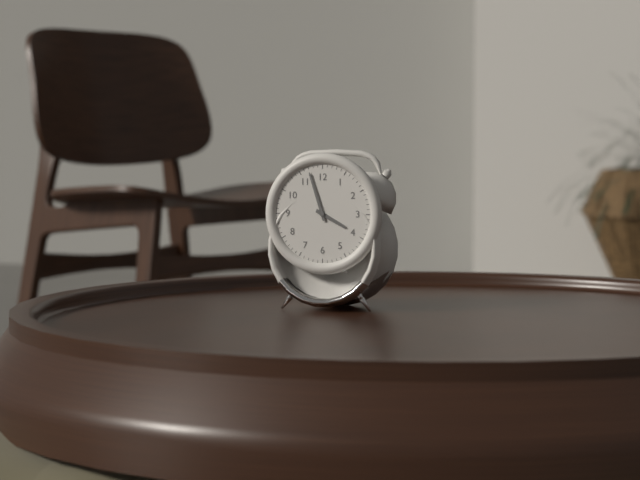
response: 3 h 57 min
